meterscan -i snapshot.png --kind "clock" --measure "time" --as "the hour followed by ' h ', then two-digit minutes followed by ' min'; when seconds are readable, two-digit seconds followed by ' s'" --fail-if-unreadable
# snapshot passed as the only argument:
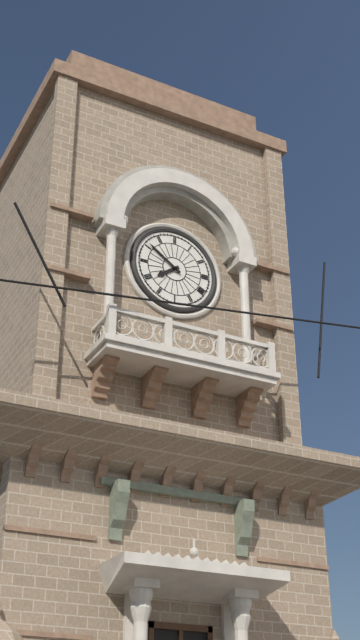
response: 7 h 51 min
